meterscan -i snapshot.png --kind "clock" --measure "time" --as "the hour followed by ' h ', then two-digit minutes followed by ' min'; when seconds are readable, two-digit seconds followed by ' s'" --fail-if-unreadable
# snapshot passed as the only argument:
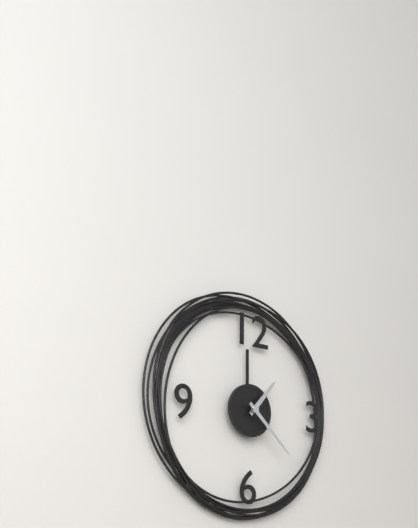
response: 1 h 22 min
